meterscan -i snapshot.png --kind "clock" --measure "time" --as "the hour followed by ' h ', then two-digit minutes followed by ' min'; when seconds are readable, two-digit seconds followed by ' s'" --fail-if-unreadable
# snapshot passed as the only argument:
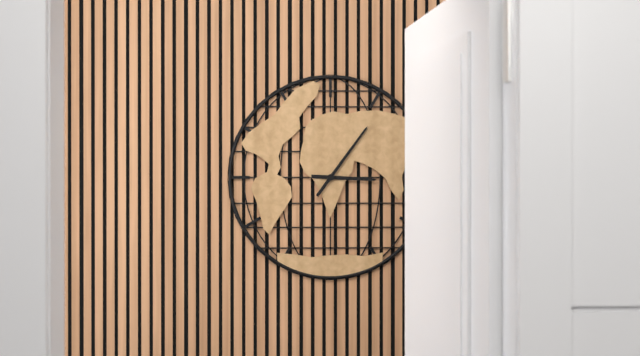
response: 3 h 06 min
